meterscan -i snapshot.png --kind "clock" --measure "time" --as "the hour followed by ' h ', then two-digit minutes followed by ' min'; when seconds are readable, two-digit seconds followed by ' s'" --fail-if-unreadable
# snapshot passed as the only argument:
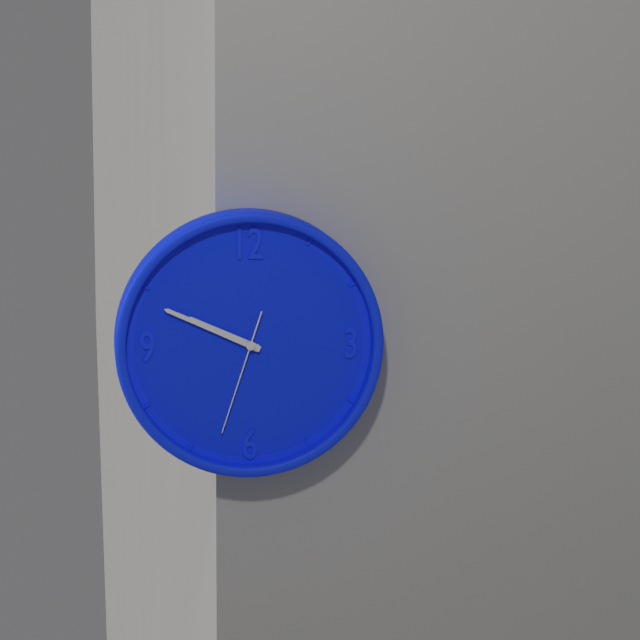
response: 9 h 49 min 33 s
